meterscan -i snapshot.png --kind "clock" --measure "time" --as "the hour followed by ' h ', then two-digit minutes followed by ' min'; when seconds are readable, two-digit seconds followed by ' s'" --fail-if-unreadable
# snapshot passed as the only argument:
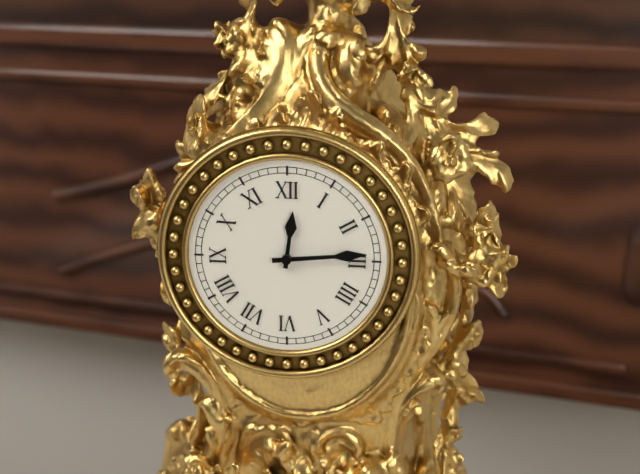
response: 12 h 14 min
